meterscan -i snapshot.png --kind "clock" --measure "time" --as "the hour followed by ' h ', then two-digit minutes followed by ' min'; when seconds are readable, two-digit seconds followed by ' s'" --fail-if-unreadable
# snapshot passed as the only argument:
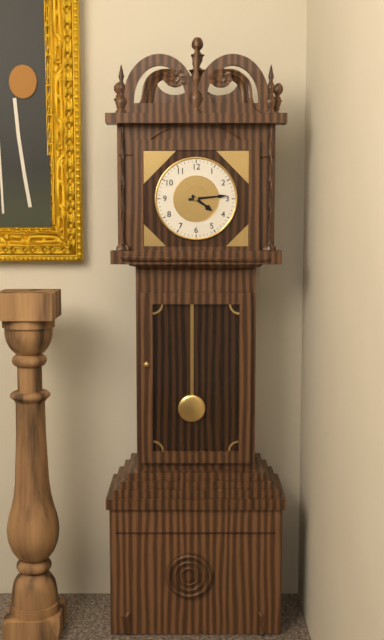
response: 4 h 14 min
